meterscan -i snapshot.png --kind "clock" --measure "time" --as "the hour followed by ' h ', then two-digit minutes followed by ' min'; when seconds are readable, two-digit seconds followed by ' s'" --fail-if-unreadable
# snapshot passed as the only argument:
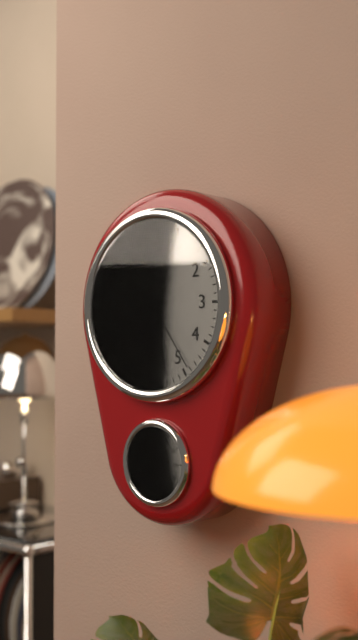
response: 8 h 28 min 24 s
